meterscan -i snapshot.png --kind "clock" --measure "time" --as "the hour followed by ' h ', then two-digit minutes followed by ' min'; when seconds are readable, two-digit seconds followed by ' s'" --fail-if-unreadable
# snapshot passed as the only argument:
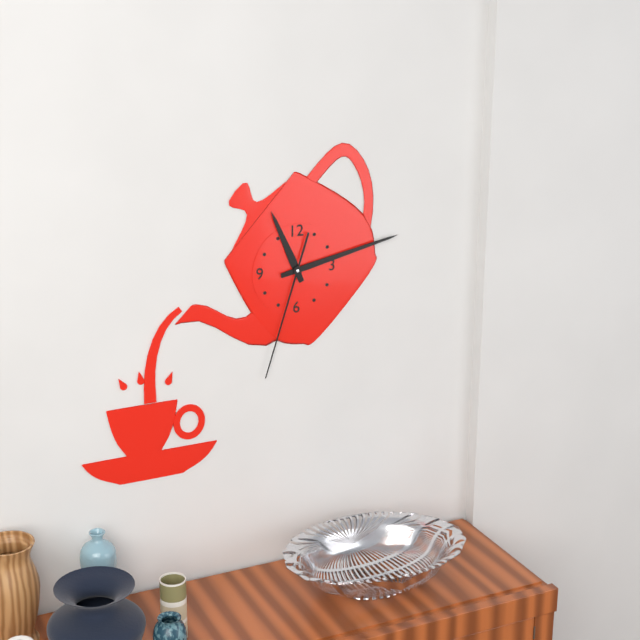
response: 11 h 13 min 33 s
